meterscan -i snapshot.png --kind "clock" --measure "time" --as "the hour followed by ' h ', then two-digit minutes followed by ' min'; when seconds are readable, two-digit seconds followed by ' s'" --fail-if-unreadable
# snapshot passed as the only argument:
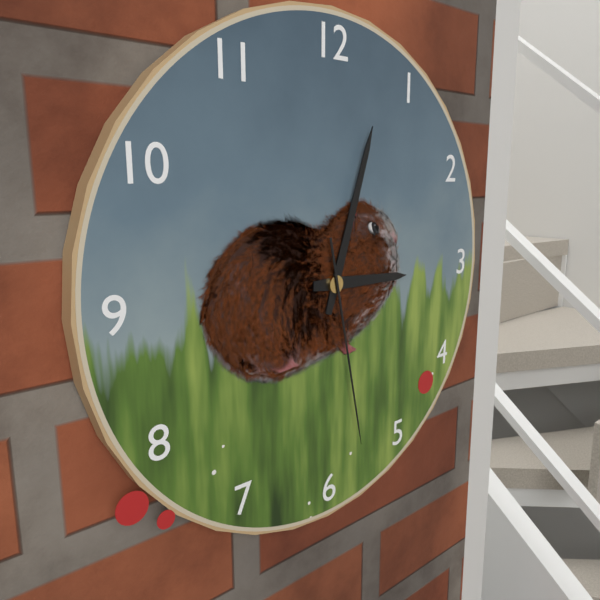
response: 3 h 03 min 28 s
